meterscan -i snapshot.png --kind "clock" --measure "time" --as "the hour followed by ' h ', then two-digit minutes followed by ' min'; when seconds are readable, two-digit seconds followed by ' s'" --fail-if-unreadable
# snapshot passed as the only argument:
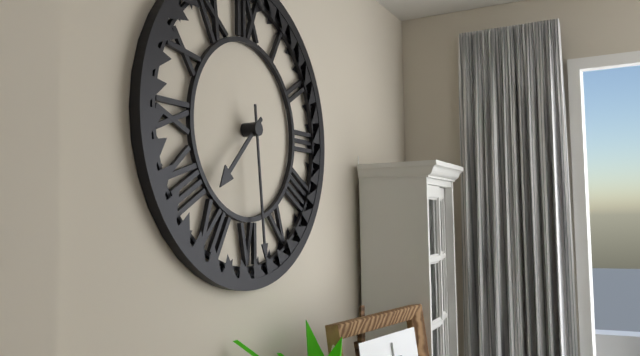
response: 7 h 29 min
